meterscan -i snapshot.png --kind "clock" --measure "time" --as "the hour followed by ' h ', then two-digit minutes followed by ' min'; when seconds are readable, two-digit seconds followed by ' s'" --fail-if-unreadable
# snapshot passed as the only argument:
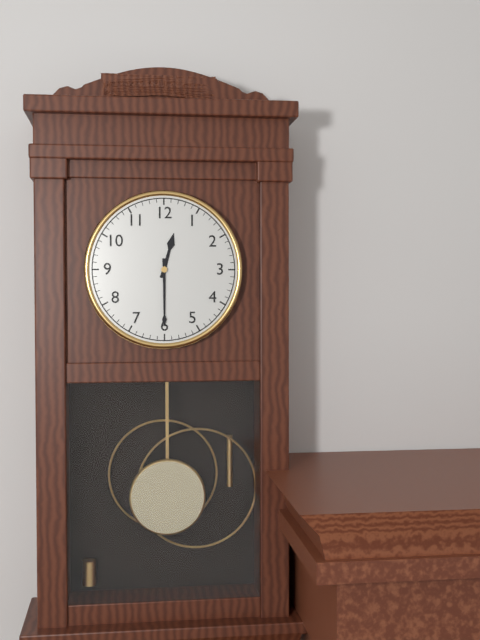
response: 12 h 30 min
